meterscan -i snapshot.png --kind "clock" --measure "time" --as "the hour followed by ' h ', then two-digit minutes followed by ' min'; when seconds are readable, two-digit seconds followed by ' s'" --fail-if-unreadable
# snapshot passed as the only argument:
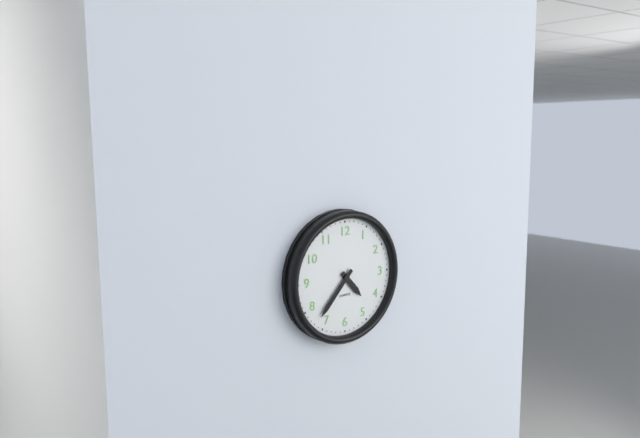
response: 4 h 37 min
